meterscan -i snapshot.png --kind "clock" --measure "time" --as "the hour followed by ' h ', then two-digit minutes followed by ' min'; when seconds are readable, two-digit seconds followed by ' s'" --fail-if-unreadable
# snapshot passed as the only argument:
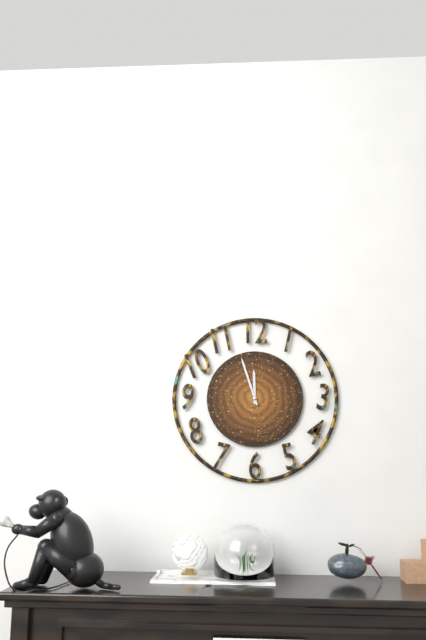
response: 11 h 57 min
